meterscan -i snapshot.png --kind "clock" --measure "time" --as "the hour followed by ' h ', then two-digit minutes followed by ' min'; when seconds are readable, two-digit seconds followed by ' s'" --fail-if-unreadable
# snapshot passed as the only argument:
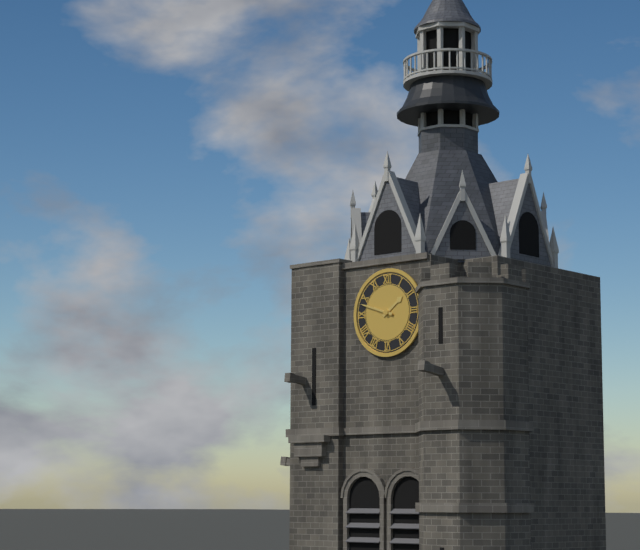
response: 1 h 48 min
